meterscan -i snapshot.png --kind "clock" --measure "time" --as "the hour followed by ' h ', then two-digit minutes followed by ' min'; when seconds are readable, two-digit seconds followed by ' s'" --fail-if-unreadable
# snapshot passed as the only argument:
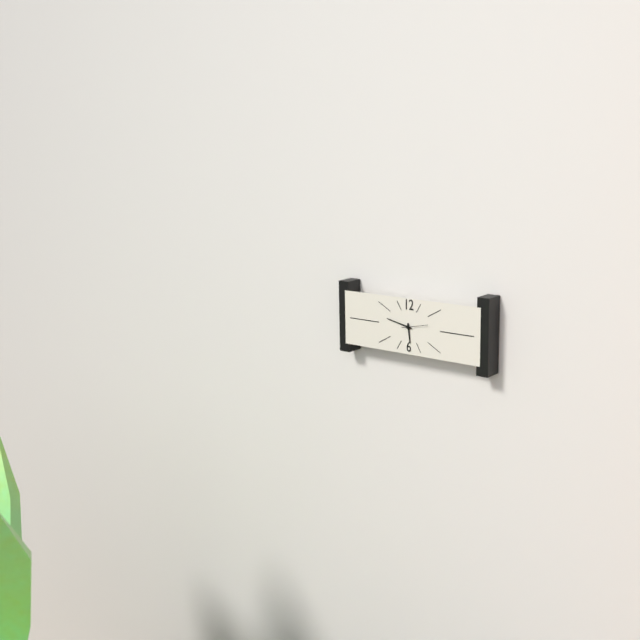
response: 5 h 47 min
